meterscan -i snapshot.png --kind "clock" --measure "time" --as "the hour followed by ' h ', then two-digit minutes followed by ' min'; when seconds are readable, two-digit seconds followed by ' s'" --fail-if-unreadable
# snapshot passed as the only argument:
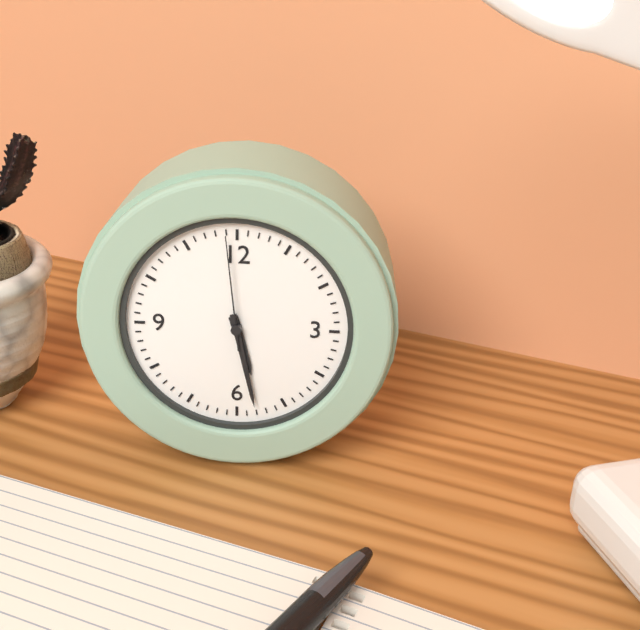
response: 5 h 28 min 59 s
